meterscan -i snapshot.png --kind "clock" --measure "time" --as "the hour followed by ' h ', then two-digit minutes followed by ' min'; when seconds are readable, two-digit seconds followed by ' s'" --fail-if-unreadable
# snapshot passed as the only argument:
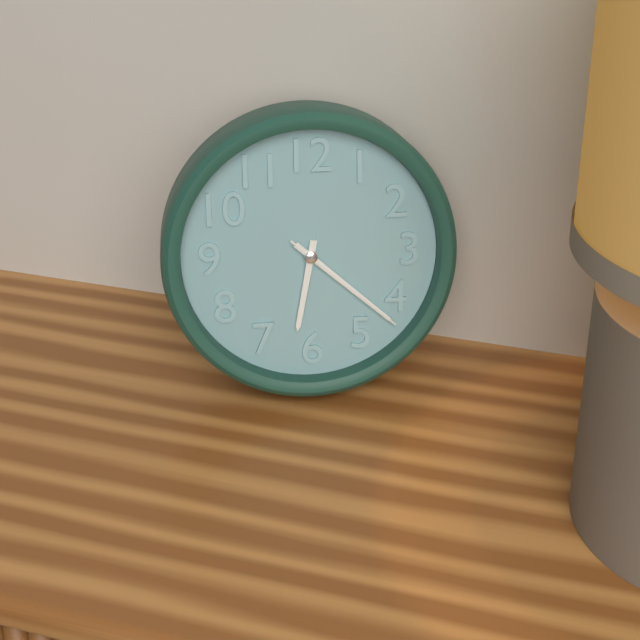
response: 6 h 22 min 22 s
